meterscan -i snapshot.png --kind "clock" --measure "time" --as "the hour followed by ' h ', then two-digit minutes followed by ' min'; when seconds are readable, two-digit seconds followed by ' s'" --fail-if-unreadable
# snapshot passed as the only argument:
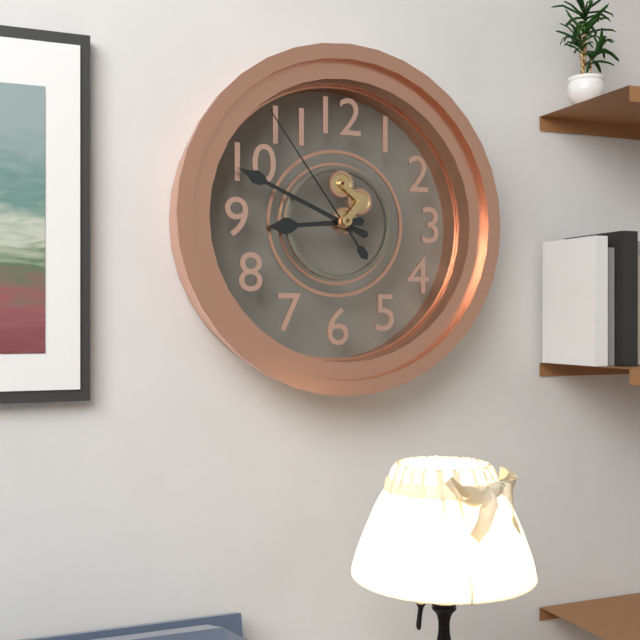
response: 8 h 49 min 54 s
